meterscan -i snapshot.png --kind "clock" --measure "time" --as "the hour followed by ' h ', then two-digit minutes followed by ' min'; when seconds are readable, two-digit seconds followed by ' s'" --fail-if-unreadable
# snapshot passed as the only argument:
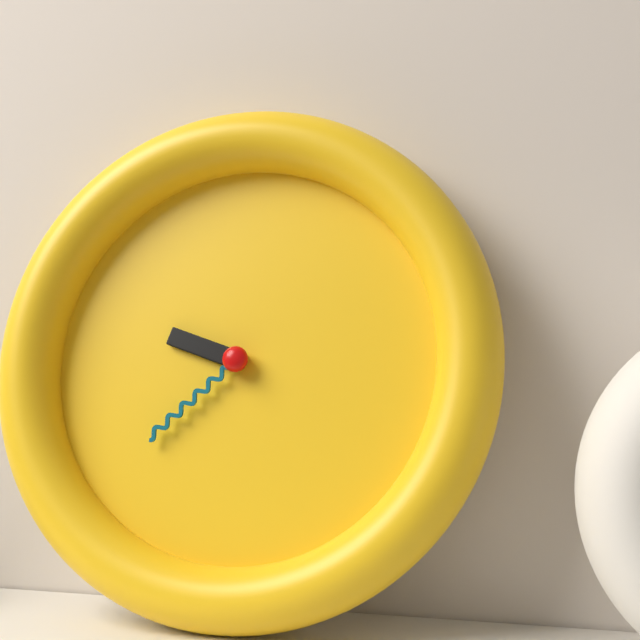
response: 9 h 38 min
